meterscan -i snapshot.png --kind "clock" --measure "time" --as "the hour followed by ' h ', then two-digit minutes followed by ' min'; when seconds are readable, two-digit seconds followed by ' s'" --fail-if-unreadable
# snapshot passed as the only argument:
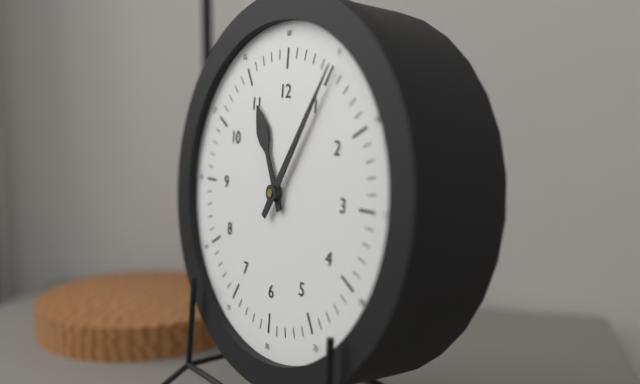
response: 11 h 05 min
